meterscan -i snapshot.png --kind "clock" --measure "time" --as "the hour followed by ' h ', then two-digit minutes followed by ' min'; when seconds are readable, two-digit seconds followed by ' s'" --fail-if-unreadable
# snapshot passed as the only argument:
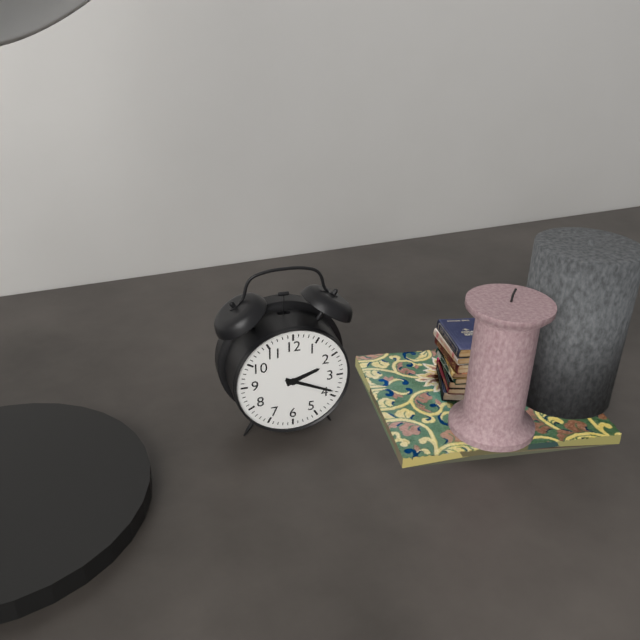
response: 2 h 19 min
